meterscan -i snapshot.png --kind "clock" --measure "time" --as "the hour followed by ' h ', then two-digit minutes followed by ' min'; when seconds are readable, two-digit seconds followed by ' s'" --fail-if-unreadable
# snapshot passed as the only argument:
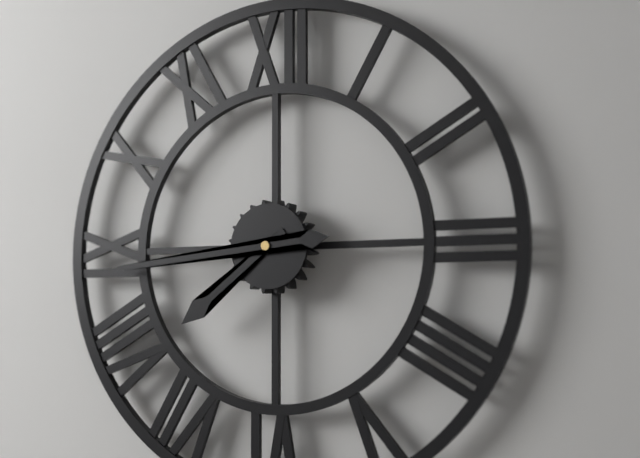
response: 7 h 44 min
